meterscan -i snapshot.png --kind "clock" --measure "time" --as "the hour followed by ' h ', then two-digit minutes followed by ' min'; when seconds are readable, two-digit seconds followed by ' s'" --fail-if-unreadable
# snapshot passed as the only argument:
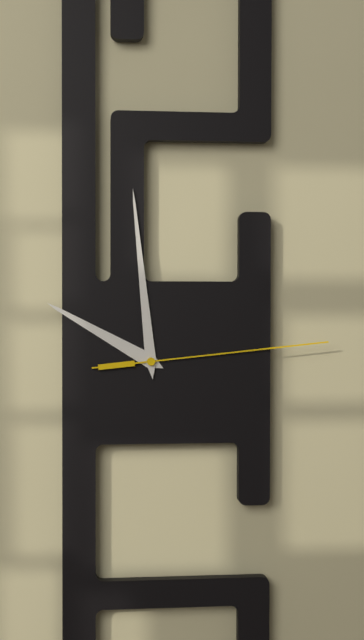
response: 9 h 59 min 14 s
